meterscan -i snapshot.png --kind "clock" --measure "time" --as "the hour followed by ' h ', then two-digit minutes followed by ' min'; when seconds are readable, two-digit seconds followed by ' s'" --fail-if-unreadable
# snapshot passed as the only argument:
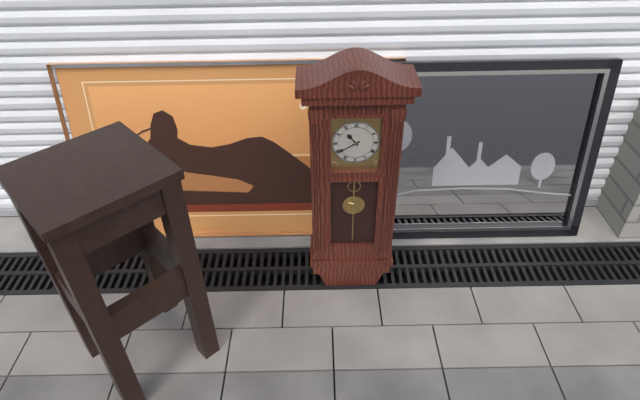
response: 10 h 40 min
